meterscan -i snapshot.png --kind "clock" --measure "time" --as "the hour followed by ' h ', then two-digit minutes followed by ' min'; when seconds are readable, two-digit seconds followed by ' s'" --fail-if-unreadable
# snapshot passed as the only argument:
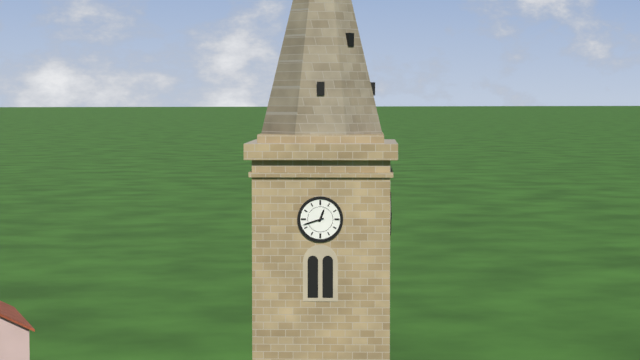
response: 12 h 42 min
